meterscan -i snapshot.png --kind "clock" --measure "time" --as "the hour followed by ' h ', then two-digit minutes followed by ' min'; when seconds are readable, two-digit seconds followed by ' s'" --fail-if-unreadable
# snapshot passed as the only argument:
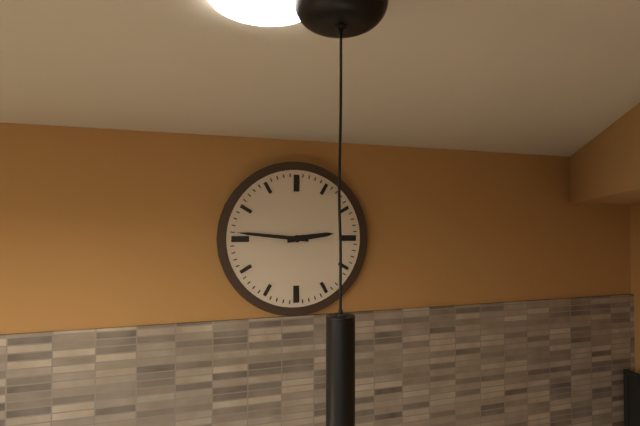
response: 2 h 46 min
